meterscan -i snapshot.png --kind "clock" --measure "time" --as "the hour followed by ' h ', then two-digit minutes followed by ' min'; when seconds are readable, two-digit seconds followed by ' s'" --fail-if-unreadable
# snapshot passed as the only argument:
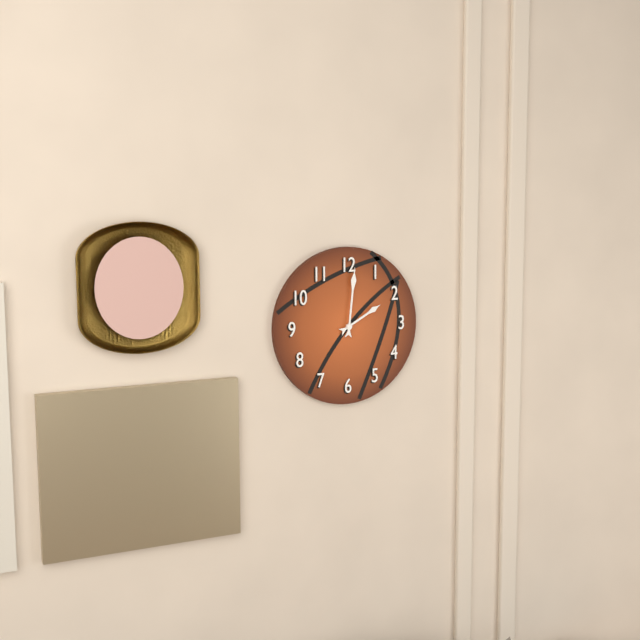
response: 2 h 01 min
